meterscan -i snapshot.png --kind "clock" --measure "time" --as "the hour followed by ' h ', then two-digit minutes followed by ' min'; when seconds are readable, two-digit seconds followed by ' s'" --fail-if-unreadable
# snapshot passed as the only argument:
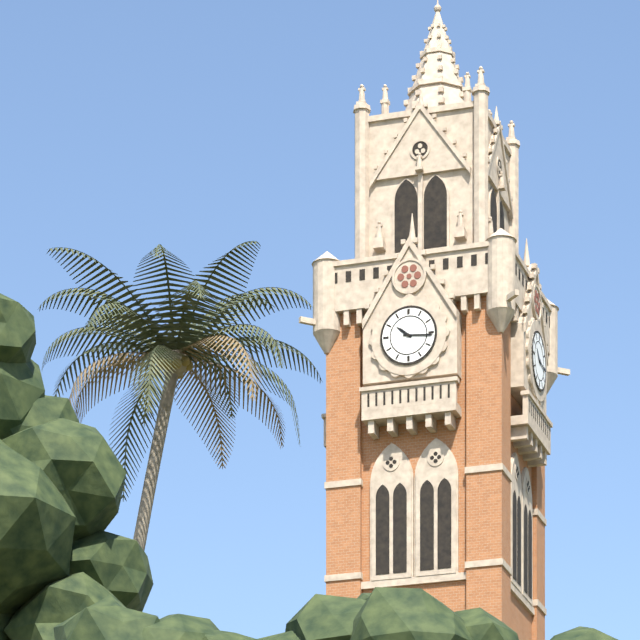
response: 10 h 16 min
